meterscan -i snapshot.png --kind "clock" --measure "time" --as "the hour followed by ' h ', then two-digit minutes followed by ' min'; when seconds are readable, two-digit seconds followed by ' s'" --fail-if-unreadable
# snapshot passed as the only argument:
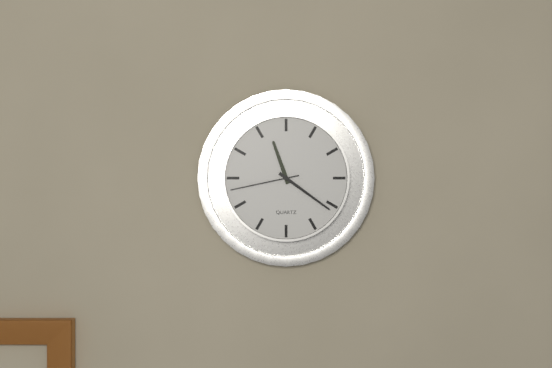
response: 11 h 21 min 43 s
